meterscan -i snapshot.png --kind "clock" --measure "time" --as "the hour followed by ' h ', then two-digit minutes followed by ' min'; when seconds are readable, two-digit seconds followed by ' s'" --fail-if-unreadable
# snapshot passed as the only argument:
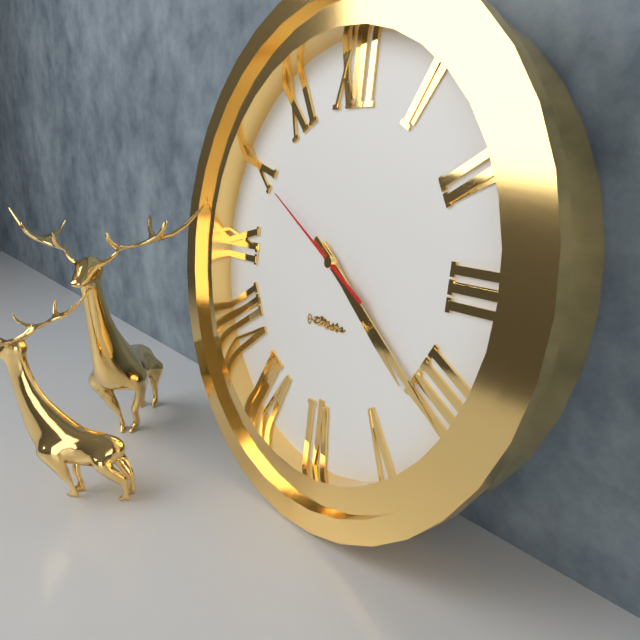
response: 4 h 21 min 50 s
